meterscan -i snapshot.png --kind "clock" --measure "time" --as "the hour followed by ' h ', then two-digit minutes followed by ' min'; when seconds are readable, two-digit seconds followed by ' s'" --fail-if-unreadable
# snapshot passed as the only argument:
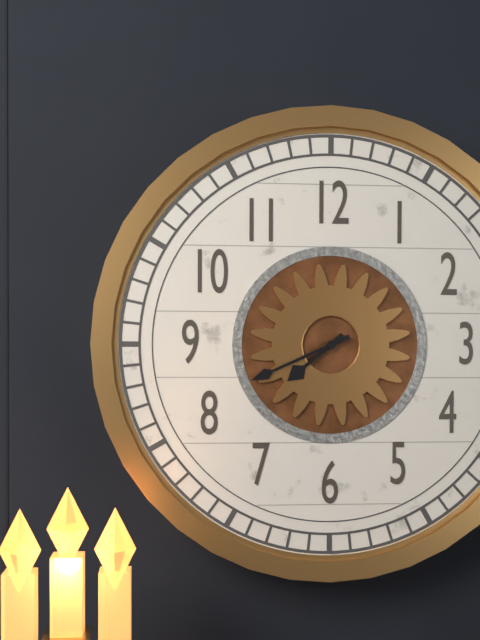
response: 7 h 41 min
